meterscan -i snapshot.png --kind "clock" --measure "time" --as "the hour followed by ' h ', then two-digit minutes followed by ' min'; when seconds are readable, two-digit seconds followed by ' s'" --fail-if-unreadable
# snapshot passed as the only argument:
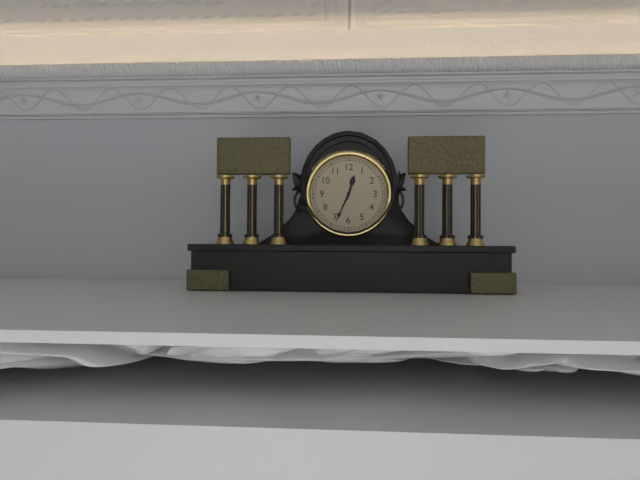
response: 12 h 34 min
